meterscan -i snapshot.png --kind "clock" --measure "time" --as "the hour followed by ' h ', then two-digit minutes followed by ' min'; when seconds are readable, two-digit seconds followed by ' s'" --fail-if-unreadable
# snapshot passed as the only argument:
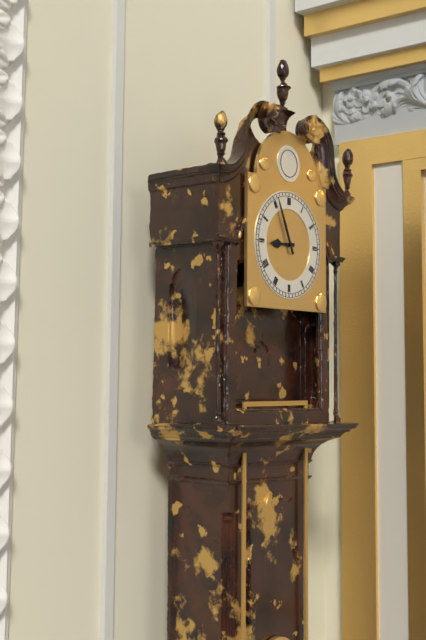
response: 8 h 56 min
